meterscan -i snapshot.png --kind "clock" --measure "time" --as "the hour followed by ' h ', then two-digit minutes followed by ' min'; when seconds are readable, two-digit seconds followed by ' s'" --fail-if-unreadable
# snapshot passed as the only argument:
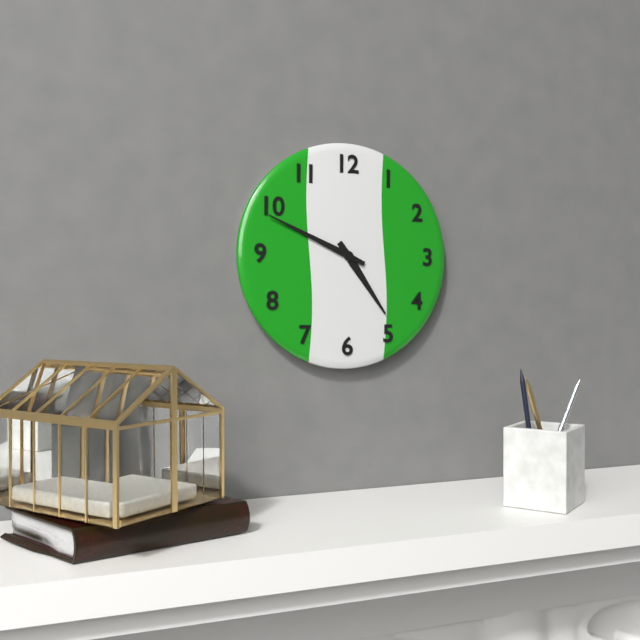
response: 4 h 49 min
